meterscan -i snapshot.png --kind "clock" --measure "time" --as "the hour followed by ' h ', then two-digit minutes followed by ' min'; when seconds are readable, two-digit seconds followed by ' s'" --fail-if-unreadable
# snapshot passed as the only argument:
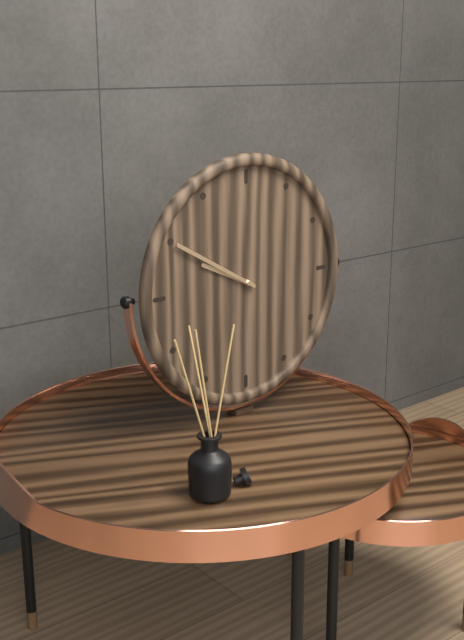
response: 9 h 50 min
